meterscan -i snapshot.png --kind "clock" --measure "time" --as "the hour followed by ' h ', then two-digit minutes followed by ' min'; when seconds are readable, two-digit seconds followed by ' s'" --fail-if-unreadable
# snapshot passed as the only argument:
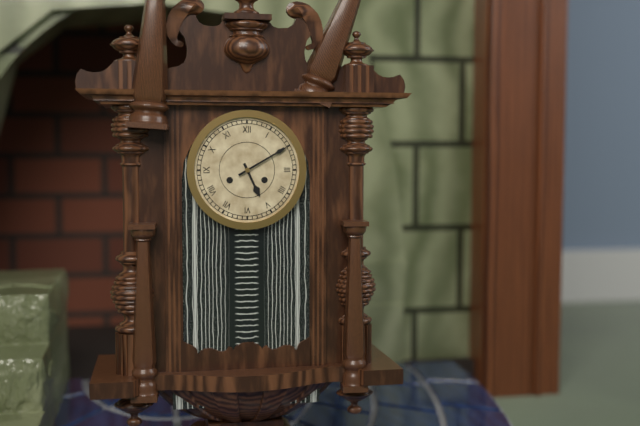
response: 5 h 10 min
